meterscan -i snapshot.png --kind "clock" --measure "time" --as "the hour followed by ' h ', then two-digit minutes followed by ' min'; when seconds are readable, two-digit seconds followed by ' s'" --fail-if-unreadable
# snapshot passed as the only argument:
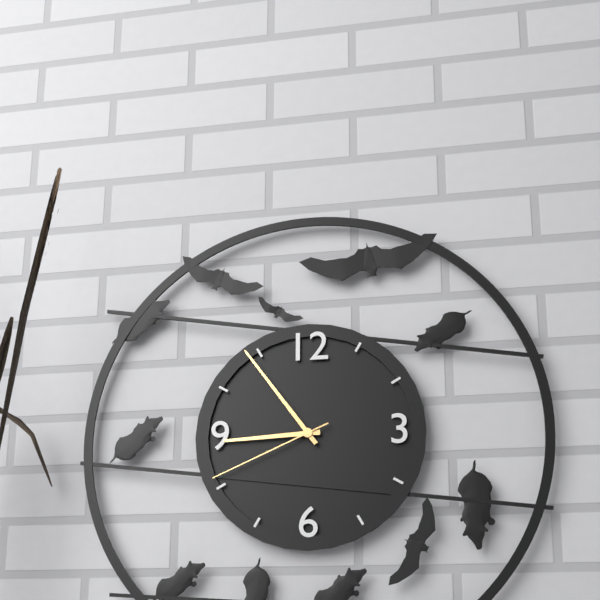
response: 8 h 54 min 41 s
